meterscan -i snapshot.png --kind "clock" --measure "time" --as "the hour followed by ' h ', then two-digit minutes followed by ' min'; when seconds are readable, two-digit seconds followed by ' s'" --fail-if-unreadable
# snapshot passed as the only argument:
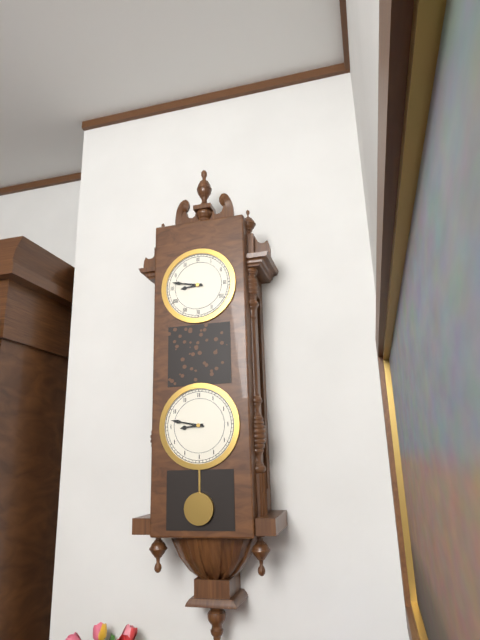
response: 8 h 47 min
